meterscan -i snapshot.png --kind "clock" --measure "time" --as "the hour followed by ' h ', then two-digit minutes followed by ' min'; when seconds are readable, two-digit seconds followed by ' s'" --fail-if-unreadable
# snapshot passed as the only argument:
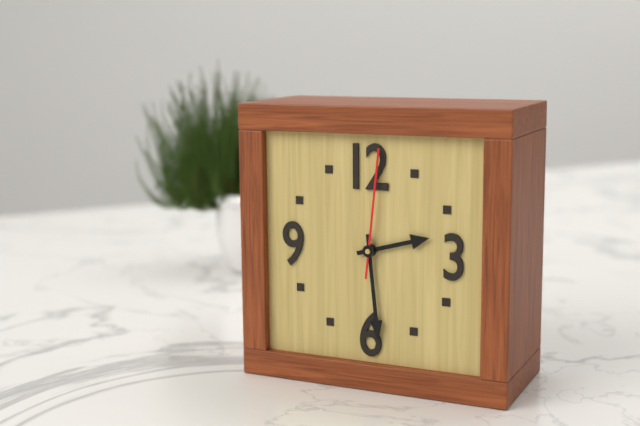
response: 2 h 29 min 01 s
